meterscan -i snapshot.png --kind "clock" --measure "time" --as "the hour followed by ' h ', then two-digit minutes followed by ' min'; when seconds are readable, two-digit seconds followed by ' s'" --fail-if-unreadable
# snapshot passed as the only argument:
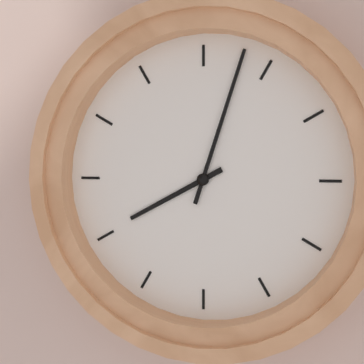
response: 8 h 03 min
